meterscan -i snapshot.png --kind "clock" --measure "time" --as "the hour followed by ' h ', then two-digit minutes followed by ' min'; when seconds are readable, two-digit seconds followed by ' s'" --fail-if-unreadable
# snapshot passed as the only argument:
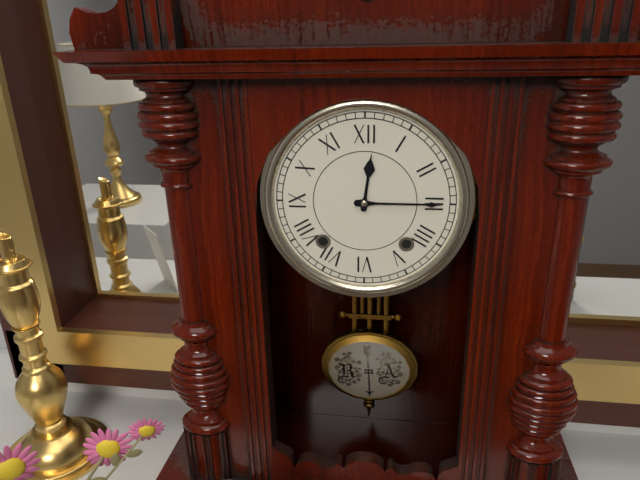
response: 12 h 15 min
